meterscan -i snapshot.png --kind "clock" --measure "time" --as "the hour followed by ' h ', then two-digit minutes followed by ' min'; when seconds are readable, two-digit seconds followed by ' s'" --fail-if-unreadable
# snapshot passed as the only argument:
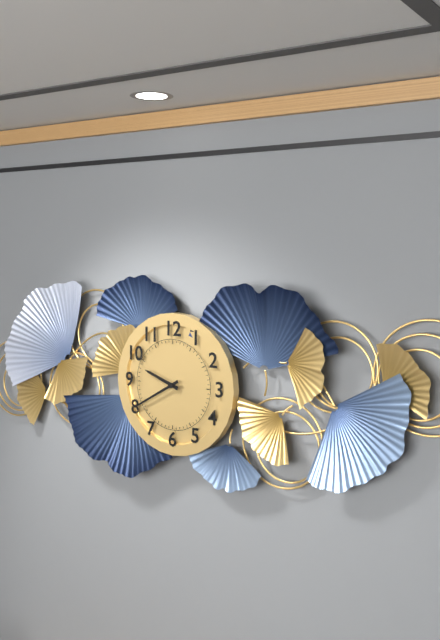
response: 9 h 40 min
